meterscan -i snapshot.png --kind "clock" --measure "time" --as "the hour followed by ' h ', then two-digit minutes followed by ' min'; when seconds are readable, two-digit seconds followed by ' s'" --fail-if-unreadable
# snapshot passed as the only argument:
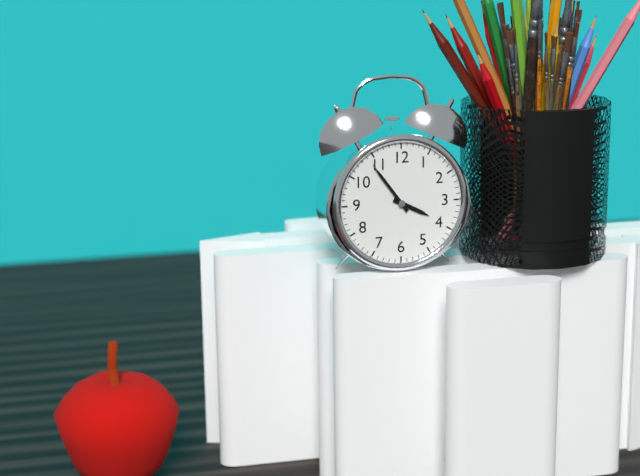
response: 3 h 54 min
